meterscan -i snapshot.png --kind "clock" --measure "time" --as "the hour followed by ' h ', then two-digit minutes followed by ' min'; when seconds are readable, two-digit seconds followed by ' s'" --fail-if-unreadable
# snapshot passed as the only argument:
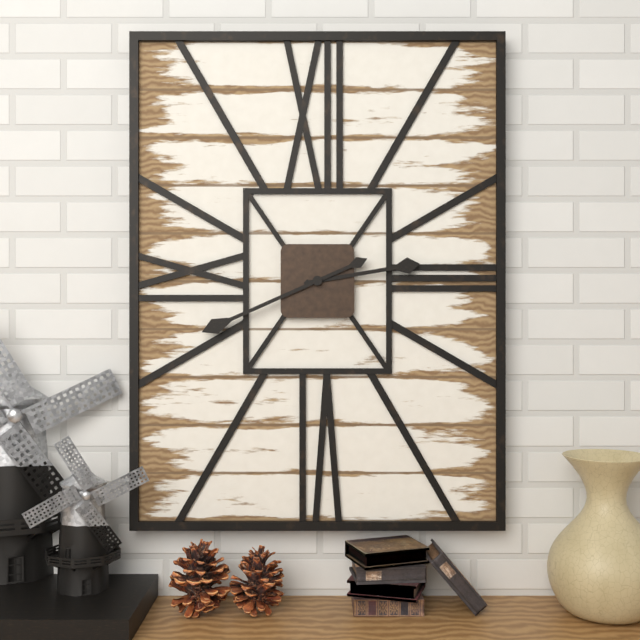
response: 2 h 41 min
